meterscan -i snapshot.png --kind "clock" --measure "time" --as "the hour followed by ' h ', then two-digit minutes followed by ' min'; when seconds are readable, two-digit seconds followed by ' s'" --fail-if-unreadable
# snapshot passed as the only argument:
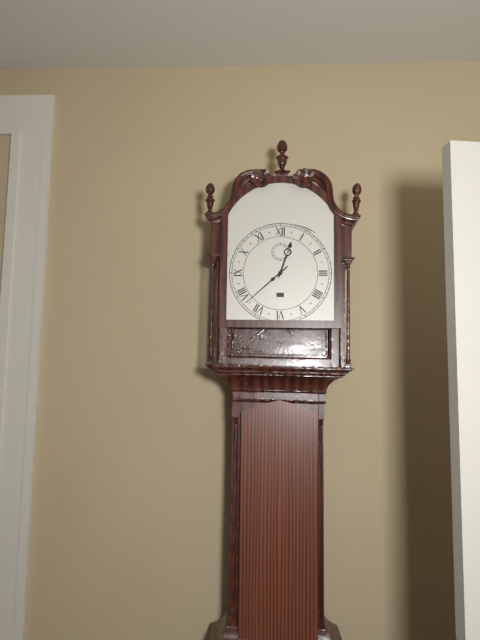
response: 12 h 38 min
